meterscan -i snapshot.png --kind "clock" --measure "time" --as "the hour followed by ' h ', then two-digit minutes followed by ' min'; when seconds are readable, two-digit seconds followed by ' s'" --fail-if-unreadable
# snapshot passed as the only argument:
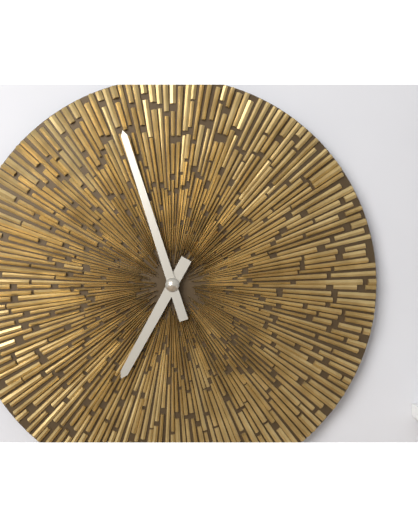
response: 6 h 57 min
